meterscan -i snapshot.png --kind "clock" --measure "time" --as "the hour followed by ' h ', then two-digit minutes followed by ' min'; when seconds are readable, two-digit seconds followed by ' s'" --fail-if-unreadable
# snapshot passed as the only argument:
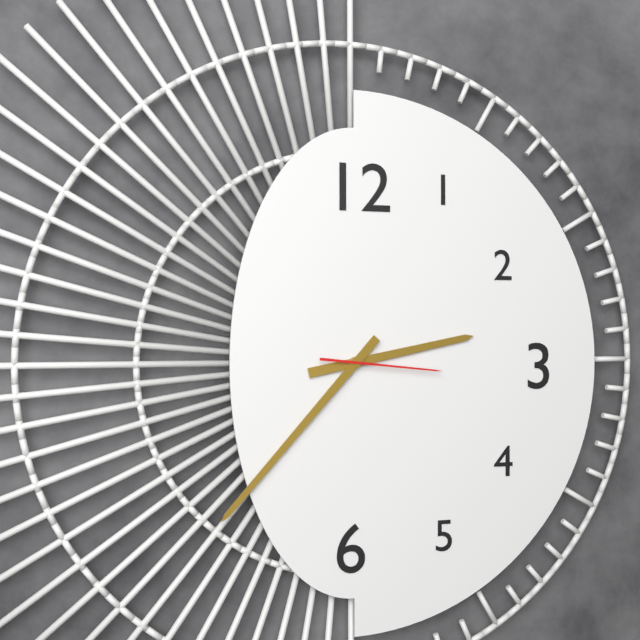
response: 2 h 37 min 16 s
